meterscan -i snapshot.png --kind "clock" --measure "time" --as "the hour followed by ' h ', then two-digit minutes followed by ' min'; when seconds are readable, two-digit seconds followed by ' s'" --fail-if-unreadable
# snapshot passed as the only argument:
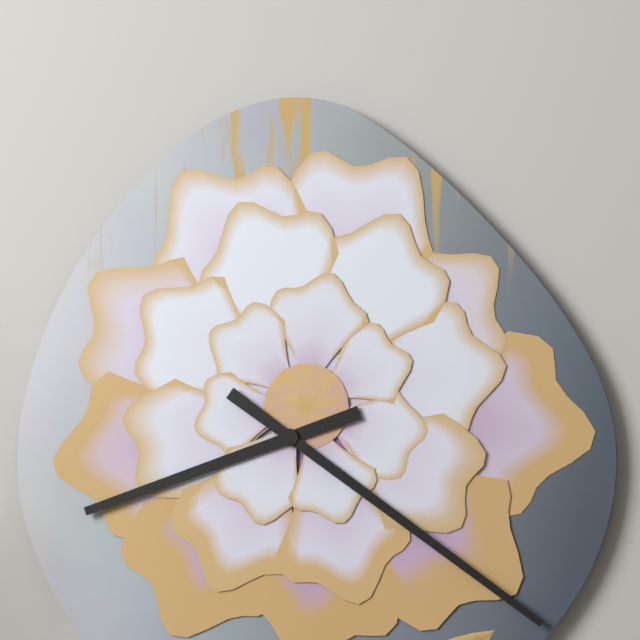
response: 8 h 21 min
